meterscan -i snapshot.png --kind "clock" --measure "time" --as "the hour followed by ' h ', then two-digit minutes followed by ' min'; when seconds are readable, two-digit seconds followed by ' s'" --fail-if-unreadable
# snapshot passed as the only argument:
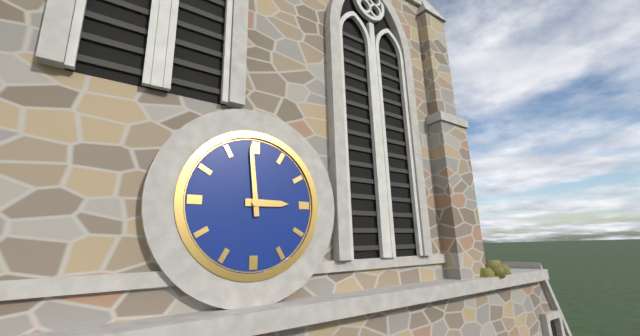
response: 2 h 59 min
